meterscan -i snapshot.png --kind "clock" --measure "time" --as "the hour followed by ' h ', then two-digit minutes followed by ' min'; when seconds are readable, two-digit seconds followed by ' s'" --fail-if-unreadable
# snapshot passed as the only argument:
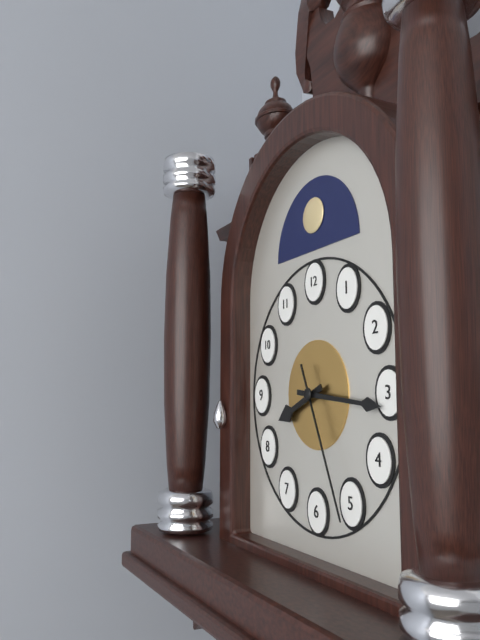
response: 8 h 16 min 26 s
